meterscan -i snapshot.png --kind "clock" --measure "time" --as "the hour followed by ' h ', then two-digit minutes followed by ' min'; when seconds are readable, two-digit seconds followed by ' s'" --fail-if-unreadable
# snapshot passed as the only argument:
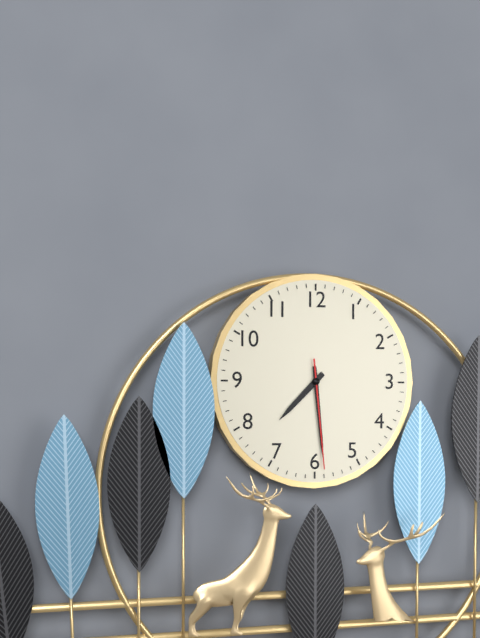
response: 7 h 29 min 29 s
